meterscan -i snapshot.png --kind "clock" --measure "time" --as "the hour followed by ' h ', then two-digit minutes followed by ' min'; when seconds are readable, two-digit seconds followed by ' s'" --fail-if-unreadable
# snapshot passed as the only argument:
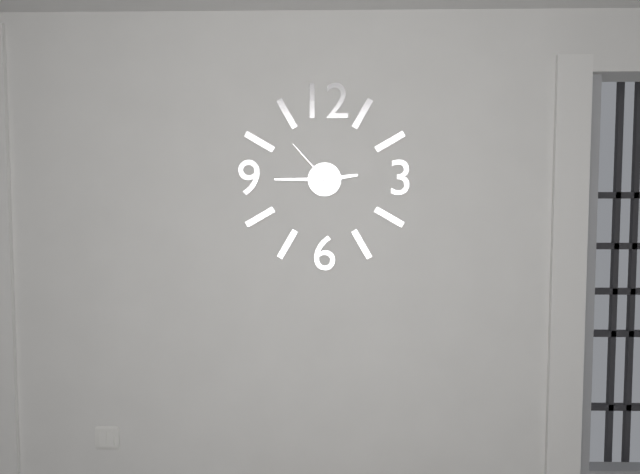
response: 2 h 45 min 53 s
